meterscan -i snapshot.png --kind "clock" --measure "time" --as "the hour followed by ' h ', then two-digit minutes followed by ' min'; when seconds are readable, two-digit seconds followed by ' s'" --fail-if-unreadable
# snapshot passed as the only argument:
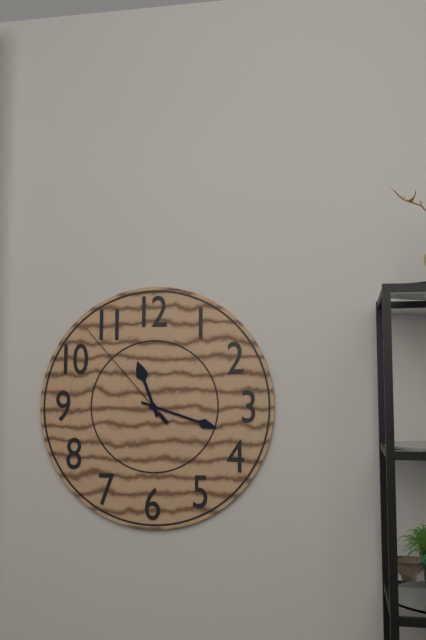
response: 11 h 18 min 53 s
